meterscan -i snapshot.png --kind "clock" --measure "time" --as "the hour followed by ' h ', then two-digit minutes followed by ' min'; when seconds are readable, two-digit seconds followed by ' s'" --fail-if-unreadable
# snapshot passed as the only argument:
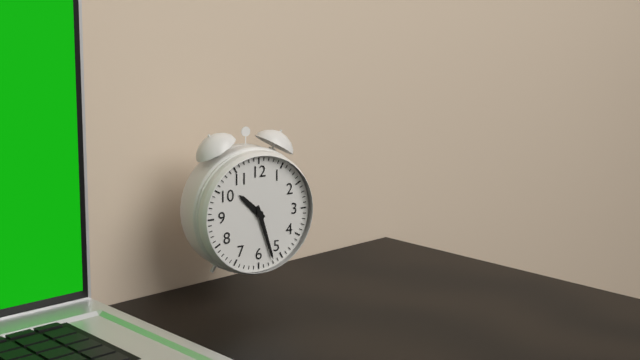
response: 10 h 27 min
